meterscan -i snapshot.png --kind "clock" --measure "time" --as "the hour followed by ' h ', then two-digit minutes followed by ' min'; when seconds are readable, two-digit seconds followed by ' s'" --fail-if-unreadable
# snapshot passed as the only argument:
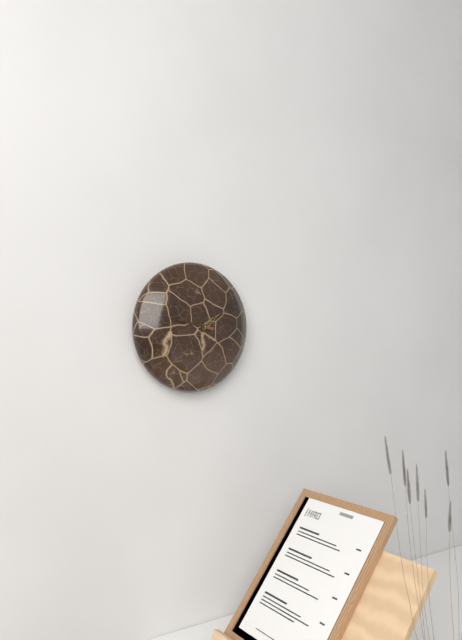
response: 1 h 47 min
